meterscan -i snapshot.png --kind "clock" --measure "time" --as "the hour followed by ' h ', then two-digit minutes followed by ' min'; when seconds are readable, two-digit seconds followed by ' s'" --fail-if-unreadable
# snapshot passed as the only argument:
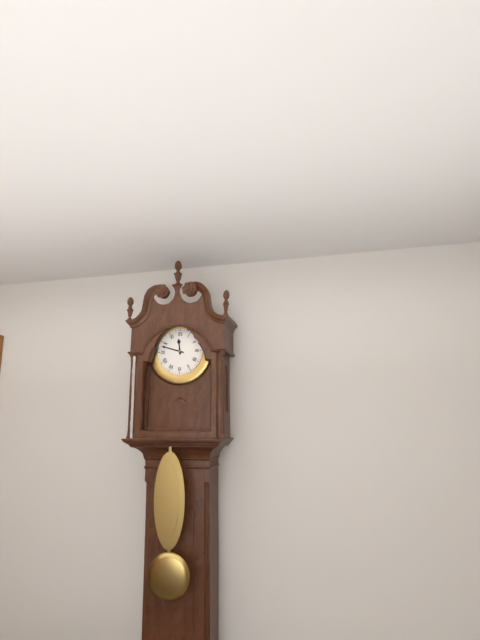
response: 11 h 48 min
